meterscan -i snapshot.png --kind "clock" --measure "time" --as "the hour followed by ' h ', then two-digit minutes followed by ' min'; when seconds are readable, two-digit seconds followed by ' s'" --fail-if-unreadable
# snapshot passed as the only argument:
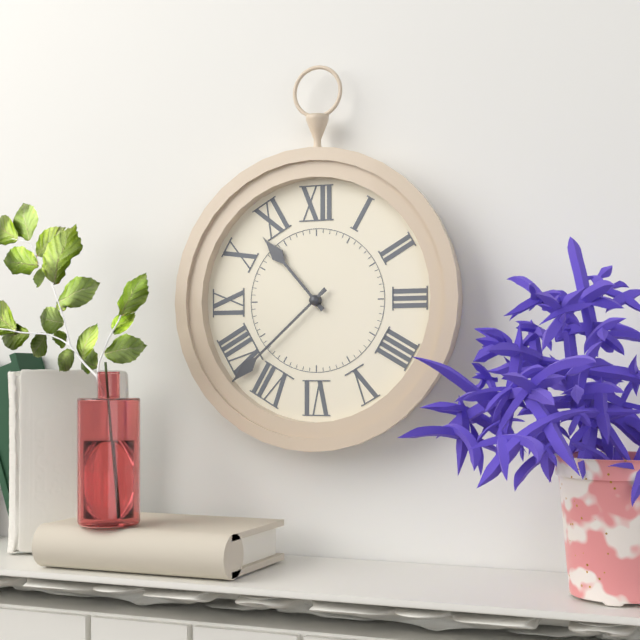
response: 10 h 38 min
